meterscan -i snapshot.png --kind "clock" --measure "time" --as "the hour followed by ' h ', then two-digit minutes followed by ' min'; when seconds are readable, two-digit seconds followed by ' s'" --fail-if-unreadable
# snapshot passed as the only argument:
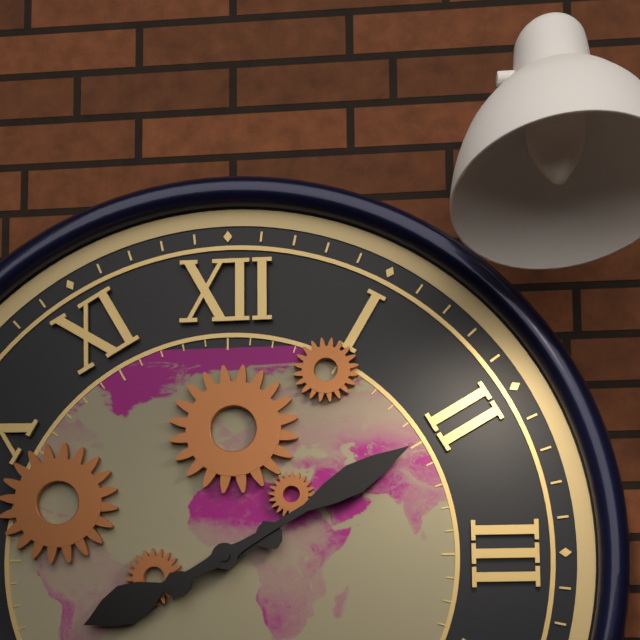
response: 8 h 10 min
